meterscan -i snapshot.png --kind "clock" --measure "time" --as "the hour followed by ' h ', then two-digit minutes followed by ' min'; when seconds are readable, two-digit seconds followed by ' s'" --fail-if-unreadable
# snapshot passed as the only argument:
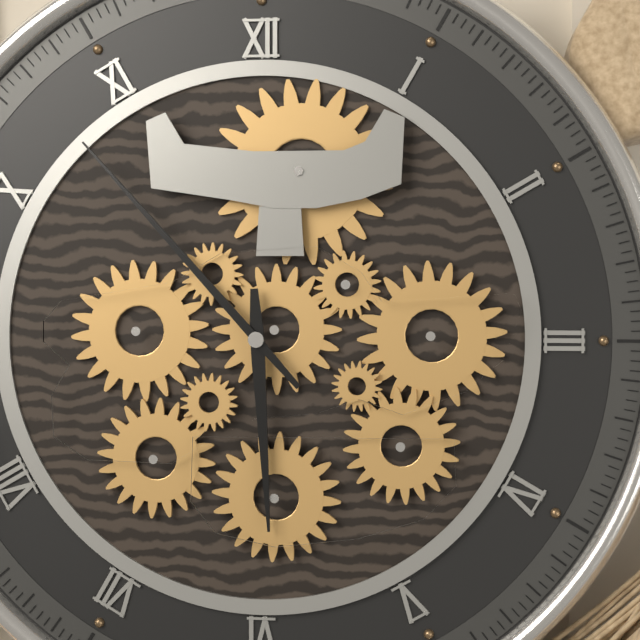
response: 5 h 53 min
